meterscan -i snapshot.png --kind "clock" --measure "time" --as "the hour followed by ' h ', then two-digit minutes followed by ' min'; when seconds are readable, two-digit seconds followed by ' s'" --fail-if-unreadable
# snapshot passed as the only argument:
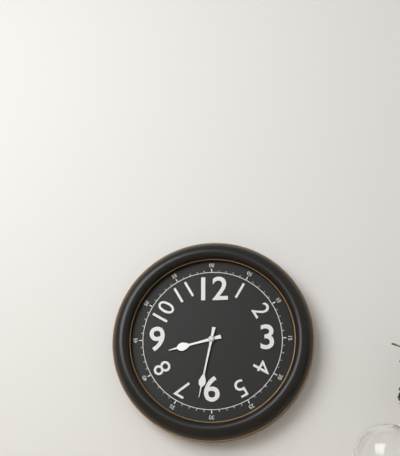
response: 8 h 32 min
